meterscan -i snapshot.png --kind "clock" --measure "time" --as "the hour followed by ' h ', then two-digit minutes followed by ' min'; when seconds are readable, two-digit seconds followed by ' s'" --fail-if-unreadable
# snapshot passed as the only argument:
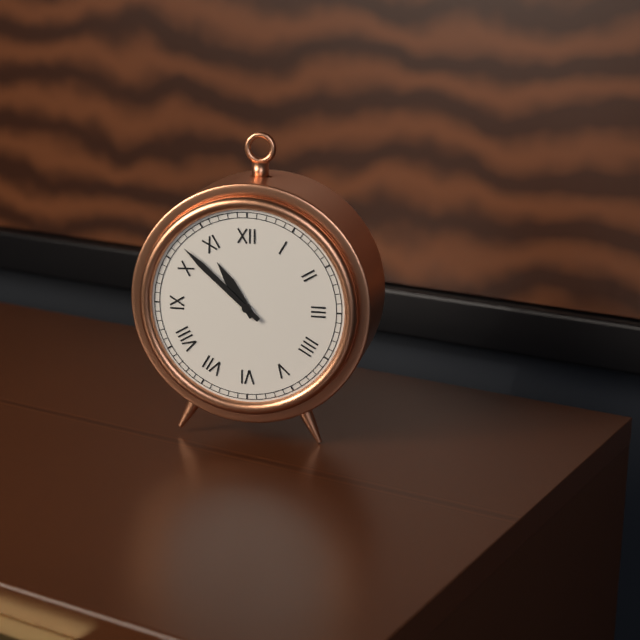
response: 10 h 52 min
